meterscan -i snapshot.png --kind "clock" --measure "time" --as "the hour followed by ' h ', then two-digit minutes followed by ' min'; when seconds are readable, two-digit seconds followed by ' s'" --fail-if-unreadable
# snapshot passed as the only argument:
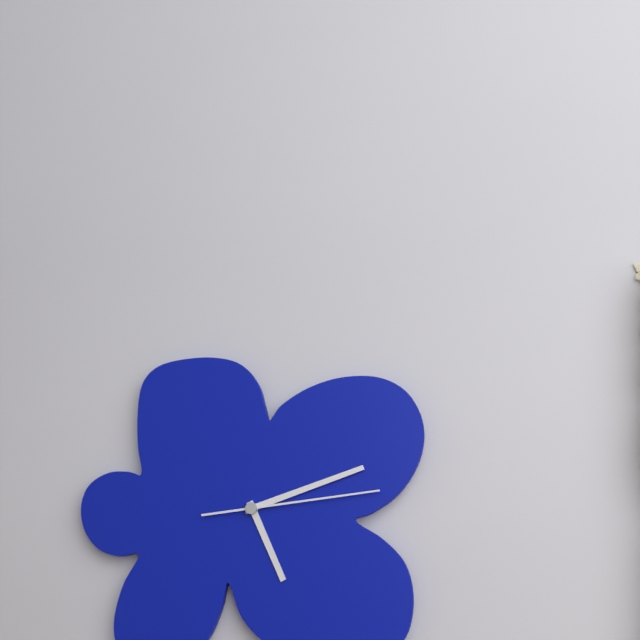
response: 5 h 12 min 14 s
